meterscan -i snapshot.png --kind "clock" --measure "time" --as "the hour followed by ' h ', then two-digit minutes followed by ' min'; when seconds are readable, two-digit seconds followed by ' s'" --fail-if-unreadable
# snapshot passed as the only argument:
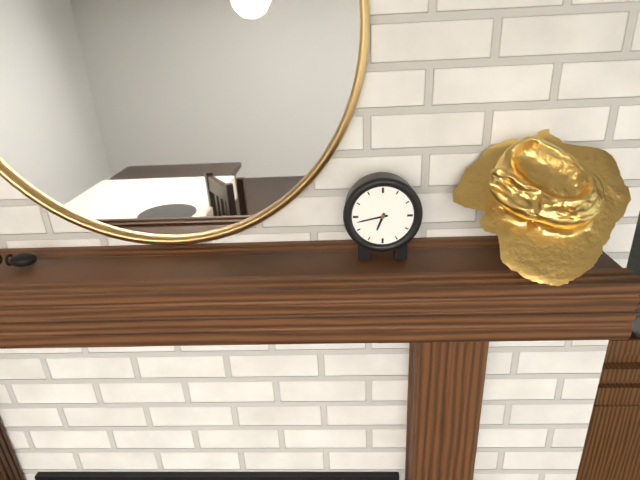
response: 6 h 43 min
